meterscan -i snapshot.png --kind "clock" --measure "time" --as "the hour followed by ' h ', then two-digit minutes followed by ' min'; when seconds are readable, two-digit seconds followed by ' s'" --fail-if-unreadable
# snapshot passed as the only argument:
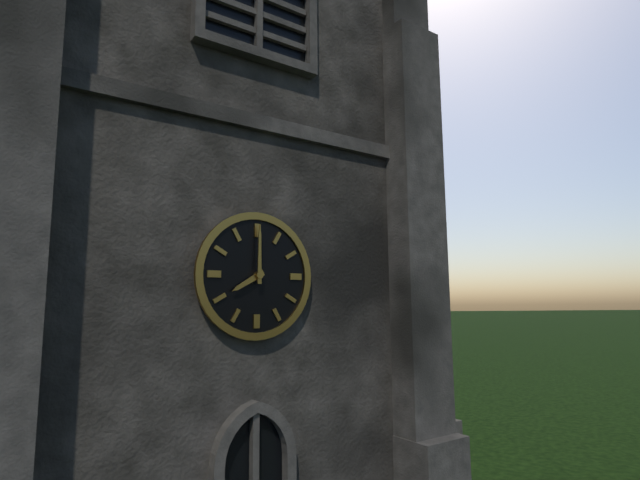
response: 8 h 00 min
